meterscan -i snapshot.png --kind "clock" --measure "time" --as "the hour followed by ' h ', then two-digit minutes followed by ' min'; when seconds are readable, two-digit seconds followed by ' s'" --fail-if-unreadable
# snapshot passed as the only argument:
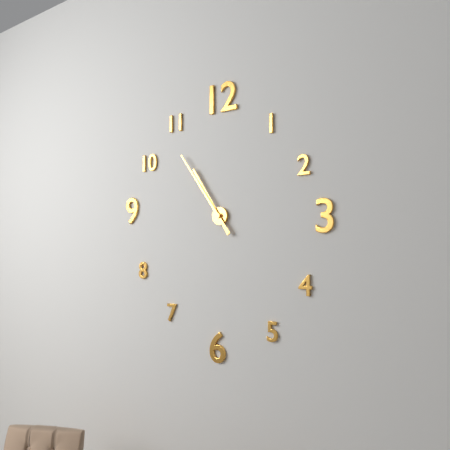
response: 10 h 54 min
